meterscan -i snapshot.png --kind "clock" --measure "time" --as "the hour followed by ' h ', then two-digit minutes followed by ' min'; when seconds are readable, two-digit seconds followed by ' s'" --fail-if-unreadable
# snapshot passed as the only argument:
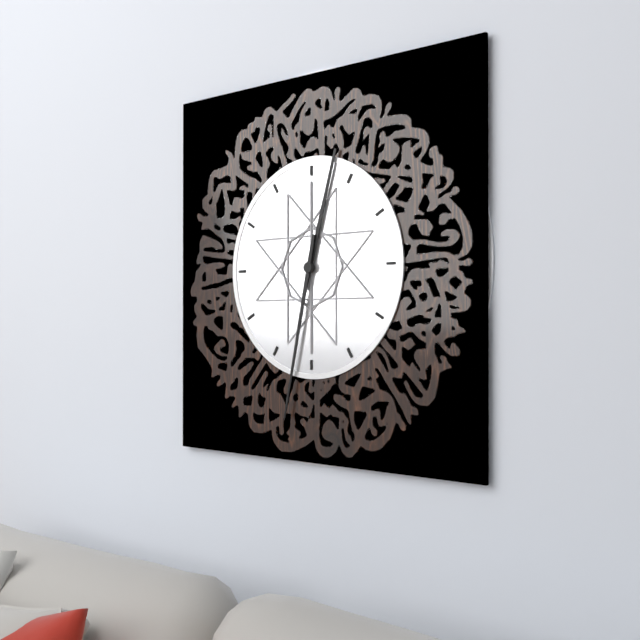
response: 12 h 32 min
